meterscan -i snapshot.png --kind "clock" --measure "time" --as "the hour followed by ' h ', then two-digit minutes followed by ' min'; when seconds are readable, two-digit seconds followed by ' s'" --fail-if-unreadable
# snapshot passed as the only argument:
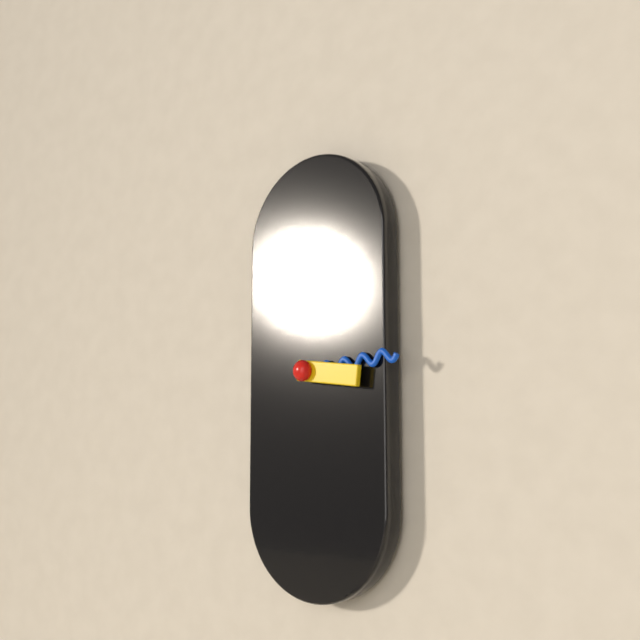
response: 3 h 14 min
